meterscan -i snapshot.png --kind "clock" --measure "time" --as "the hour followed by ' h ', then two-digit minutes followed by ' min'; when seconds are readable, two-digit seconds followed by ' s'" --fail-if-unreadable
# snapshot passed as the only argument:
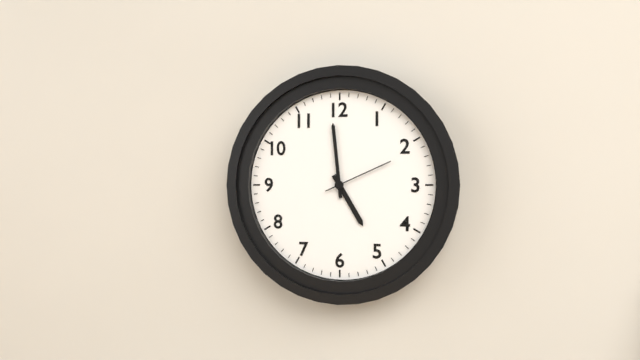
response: 4 h 59 min 11 s
